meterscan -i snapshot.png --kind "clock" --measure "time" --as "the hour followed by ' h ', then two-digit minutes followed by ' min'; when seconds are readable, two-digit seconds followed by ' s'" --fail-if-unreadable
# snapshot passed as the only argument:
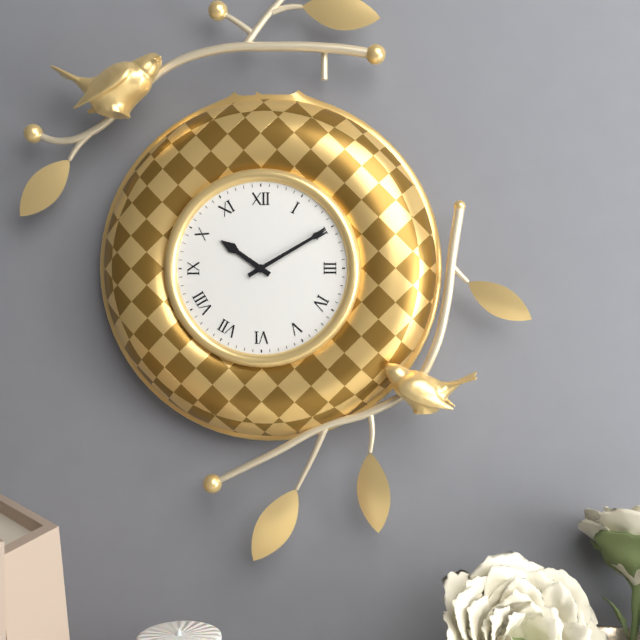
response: 10 h 10 min
